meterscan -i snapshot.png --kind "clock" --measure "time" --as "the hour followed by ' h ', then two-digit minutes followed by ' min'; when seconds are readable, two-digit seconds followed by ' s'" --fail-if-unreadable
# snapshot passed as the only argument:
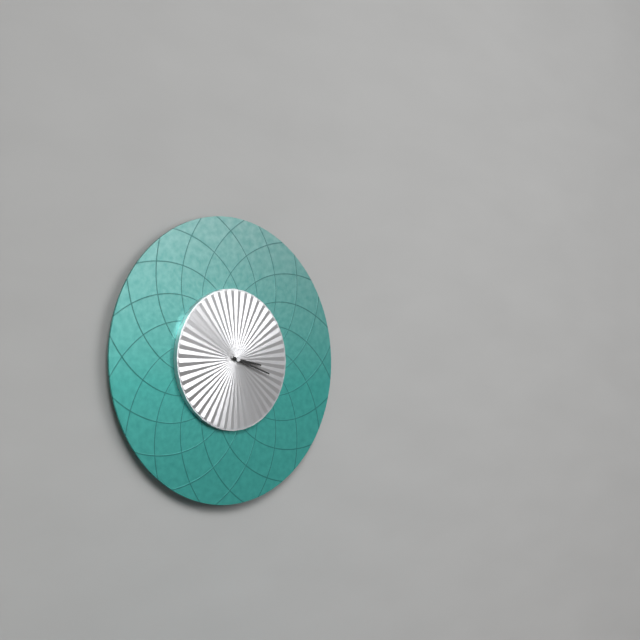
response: 3 h 18 min
